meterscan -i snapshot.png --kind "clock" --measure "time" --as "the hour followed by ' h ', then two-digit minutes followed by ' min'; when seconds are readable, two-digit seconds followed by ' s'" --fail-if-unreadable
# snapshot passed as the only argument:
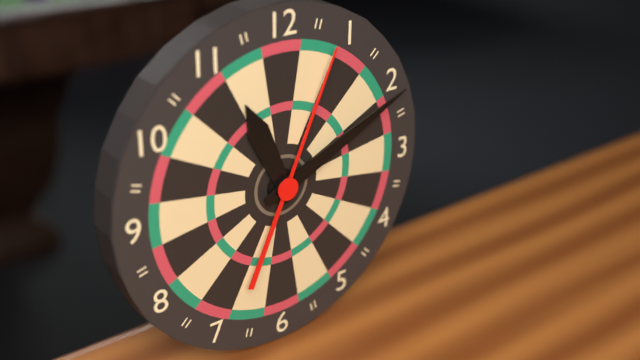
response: 11 h 11 min 04 s
